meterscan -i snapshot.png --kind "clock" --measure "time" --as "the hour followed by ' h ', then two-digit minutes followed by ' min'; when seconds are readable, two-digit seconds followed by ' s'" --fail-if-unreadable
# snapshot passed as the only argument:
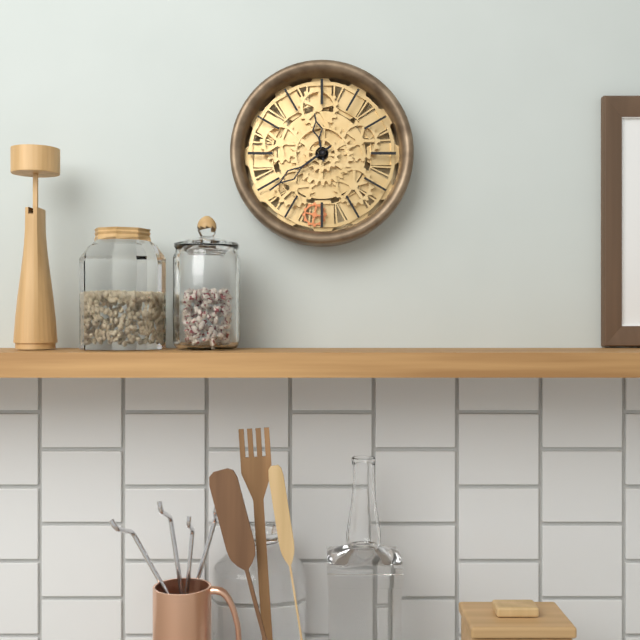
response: 11 h 39 min
